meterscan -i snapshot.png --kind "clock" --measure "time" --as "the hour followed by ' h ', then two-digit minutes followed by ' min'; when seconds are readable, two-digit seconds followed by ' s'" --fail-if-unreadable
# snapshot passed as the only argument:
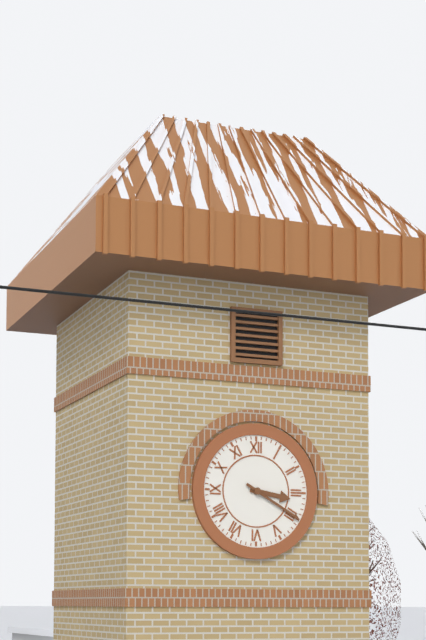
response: 3 h 20 min
